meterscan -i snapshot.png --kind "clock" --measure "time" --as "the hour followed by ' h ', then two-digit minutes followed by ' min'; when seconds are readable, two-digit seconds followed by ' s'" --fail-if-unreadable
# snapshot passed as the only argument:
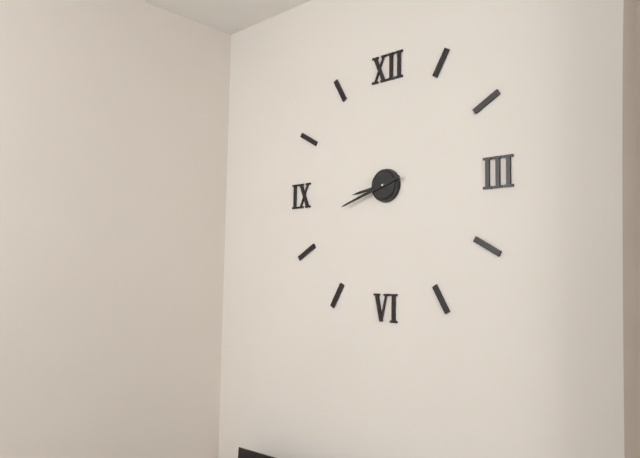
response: 8 h 42 min
